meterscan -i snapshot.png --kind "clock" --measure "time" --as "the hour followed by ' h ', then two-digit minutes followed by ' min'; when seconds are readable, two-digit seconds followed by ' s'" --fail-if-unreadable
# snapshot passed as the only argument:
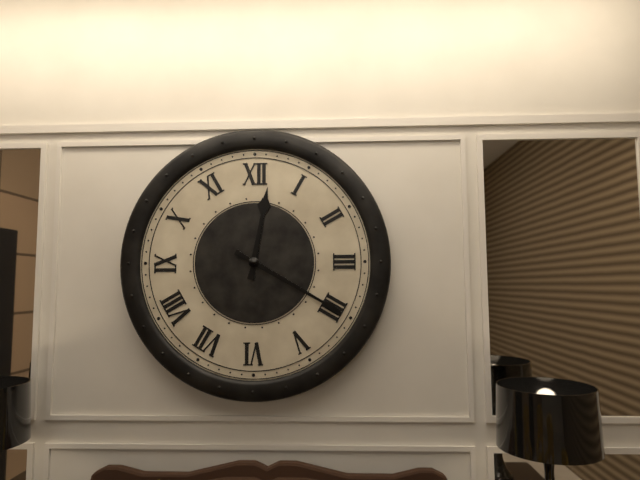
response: 12 h 20 min
